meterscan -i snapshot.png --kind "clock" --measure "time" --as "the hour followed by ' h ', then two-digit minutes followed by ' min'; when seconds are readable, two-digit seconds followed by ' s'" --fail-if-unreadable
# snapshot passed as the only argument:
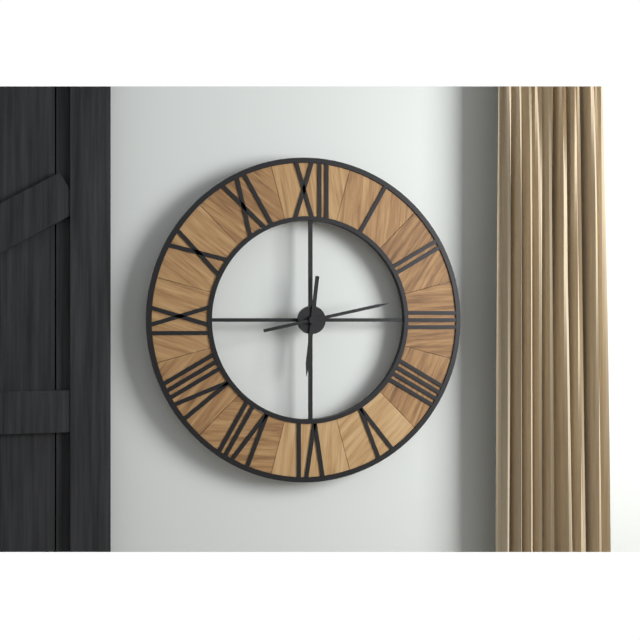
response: 6 h 13 min
